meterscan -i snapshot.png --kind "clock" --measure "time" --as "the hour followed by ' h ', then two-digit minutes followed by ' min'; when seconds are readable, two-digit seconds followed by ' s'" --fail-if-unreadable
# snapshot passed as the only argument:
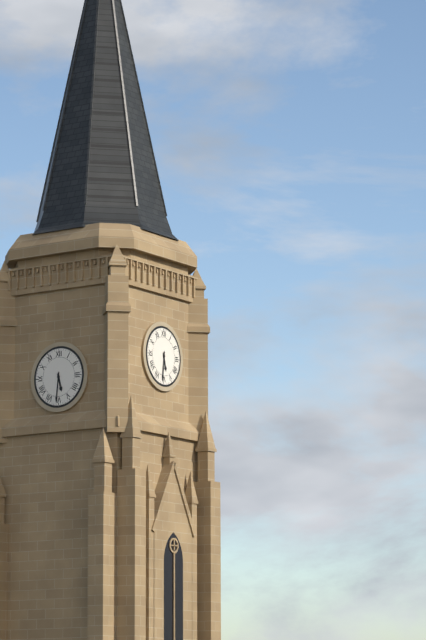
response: 5 h 31 min
